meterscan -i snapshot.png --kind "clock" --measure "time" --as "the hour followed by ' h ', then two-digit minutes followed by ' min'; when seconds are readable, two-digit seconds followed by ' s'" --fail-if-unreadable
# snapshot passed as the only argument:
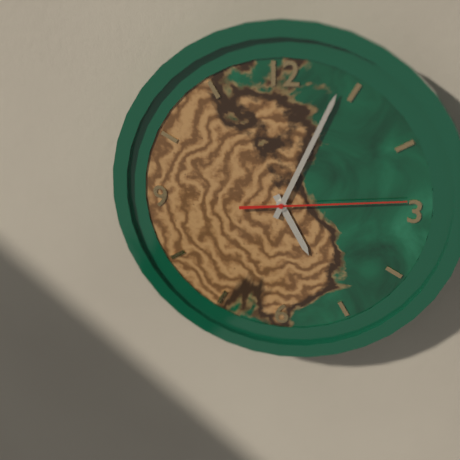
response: 5 h 04 min 14 s
